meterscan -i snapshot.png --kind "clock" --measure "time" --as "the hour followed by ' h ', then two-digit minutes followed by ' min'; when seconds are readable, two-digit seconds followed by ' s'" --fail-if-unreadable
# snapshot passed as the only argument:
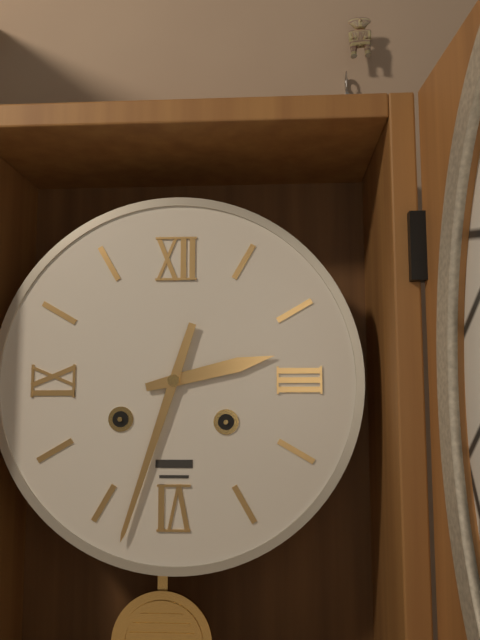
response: 2 h 33 min
